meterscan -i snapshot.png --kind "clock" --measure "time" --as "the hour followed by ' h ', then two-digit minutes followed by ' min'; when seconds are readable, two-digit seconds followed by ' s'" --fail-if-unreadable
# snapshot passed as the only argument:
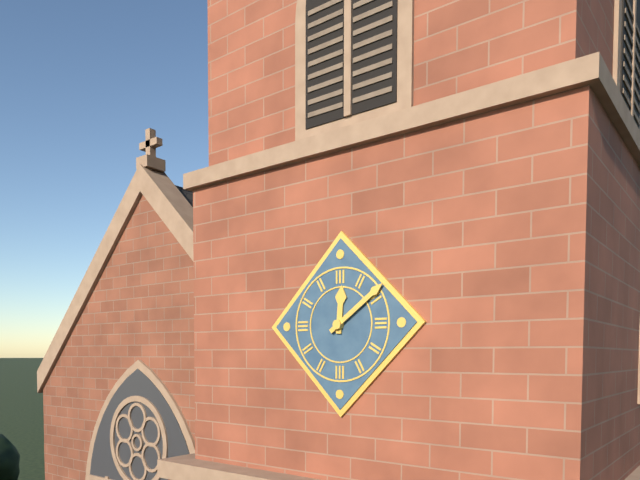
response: 12 h 09 min
